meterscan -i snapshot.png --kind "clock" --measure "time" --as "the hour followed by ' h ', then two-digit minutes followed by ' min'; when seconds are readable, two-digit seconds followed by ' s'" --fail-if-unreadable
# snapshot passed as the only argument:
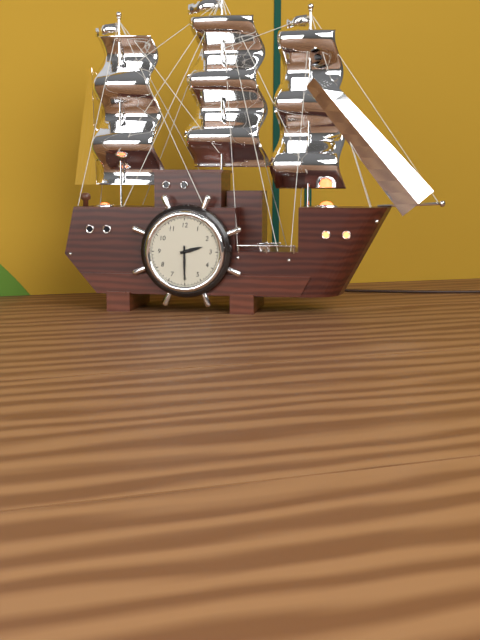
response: 2 h 30 min
